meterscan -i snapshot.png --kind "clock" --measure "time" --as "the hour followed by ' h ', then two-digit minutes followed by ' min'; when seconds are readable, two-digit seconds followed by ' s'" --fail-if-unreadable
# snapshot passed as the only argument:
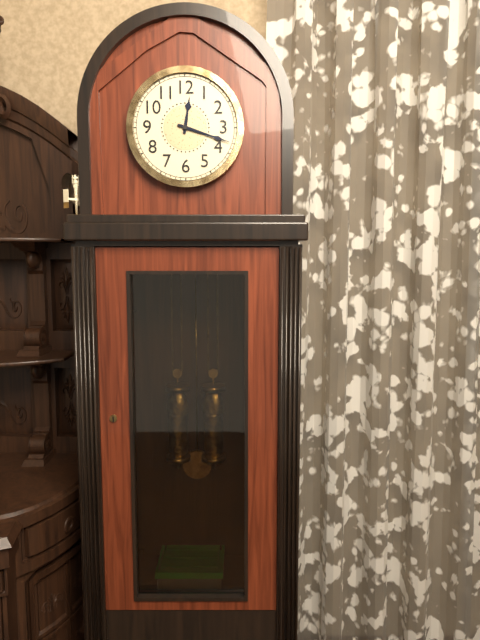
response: 12 h 18 min
